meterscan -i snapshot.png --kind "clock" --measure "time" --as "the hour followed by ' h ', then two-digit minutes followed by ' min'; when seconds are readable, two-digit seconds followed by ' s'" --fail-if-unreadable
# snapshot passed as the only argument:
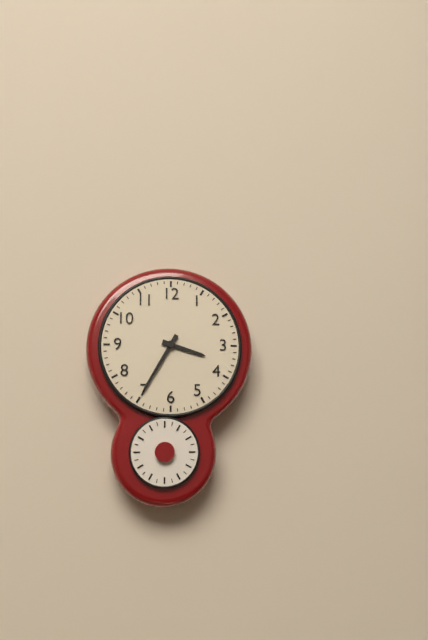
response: 3 h 35 min
